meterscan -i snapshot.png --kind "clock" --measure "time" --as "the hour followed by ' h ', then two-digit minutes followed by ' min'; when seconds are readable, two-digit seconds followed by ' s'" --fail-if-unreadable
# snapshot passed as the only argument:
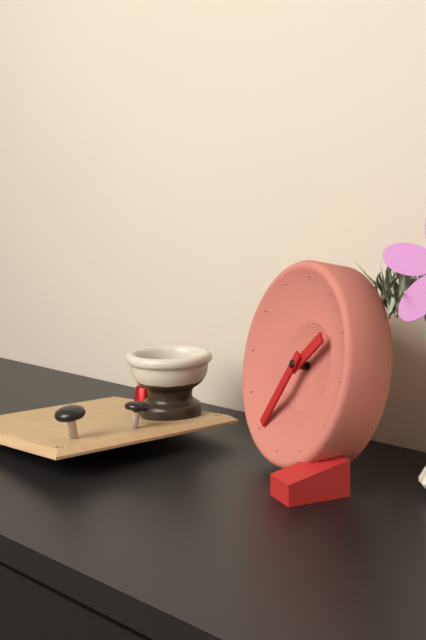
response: 1 h 35 min
